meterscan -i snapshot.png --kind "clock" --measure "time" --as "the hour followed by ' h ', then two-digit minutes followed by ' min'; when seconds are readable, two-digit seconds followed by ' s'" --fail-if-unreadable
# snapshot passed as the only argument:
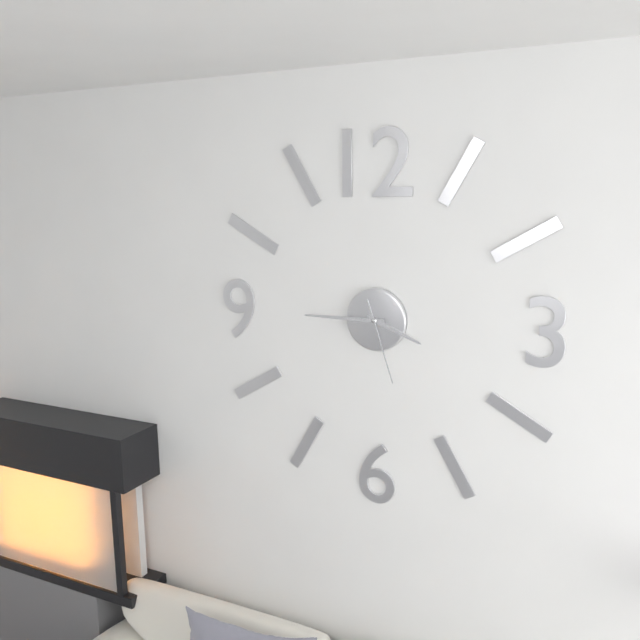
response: 3 h 45 min 27 s
